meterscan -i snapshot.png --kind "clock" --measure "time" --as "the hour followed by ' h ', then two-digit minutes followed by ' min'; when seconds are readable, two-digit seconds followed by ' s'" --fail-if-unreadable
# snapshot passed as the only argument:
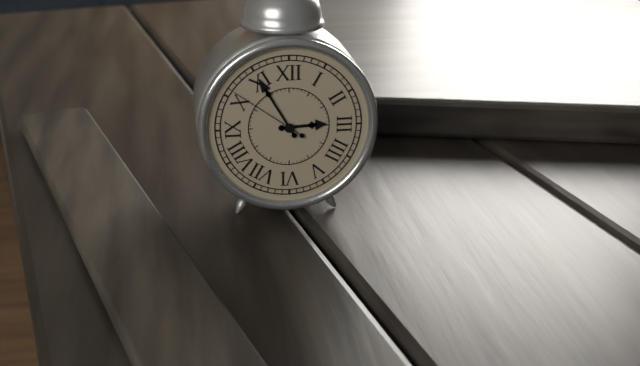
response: 2 h 55 min 51 s
